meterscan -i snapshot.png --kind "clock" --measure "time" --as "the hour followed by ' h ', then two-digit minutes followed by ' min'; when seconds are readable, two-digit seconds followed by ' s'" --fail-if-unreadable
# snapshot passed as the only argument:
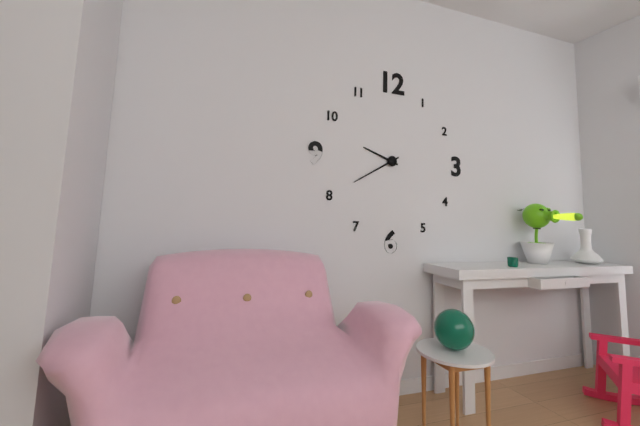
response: 9 h 40 min
